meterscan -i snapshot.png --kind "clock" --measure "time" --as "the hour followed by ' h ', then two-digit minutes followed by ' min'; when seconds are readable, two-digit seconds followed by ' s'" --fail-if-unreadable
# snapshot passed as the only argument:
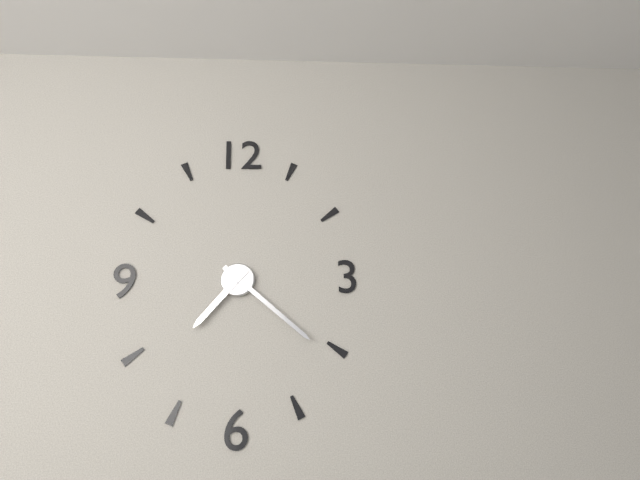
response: 7 h 22 min
